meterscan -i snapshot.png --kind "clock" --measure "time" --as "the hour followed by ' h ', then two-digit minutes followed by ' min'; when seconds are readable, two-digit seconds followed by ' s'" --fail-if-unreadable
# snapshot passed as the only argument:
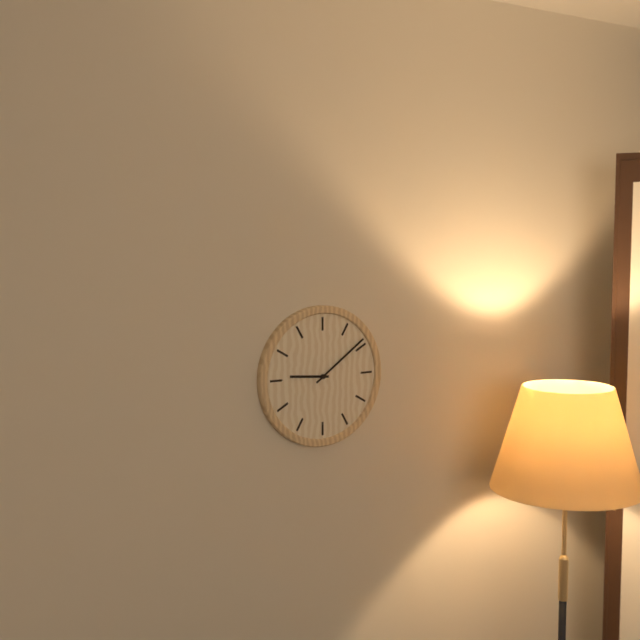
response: 9 h 09 min
